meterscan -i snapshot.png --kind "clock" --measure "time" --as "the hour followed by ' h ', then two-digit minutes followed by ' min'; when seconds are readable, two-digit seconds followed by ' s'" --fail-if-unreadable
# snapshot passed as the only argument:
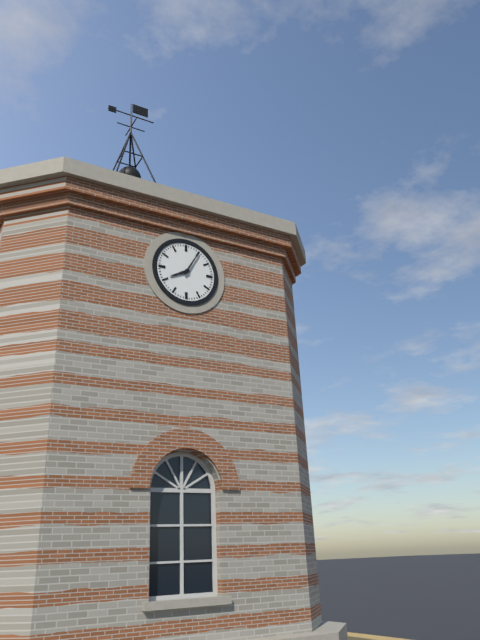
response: 8 h 05 min
